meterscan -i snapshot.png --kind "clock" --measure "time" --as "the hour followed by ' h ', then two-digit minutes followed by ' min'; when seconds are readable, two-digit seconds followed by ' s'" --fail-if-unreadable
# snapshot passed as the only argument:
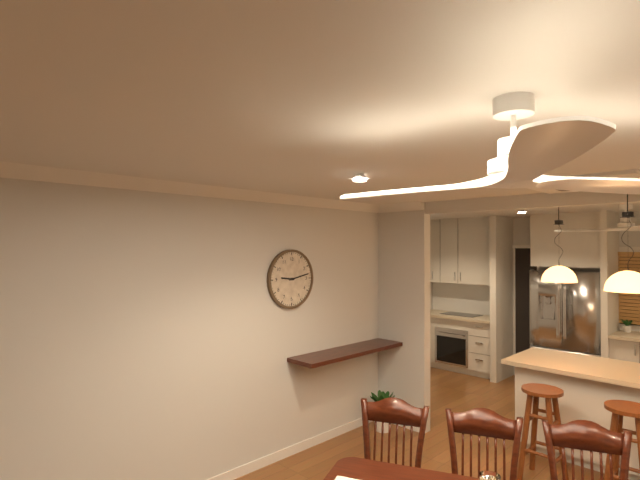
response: 9 h 13 min
